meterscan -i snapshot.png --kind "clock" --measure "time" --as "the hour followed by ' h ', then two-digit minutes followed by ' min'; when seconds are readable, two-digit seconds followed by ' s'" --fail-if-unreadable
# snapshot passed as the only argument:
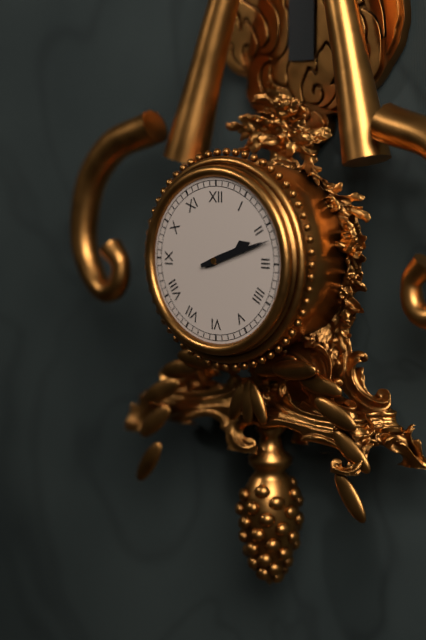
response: 2 h 12 min
